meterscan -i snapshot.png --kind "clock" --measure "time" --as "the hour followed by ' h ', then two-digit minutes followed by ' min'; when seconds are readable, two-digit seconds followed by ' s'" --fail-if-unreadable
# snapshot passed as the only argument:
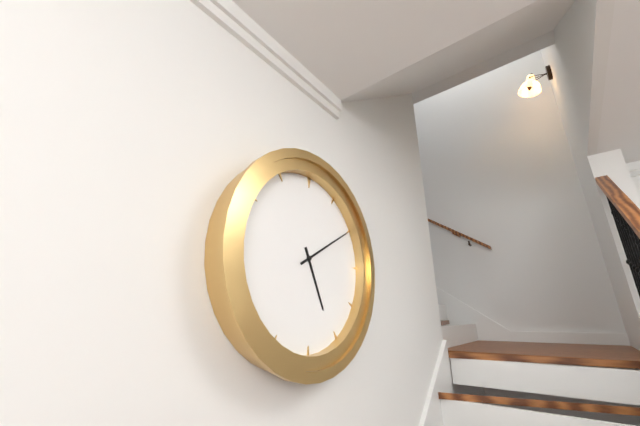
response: 5 h 10 min
